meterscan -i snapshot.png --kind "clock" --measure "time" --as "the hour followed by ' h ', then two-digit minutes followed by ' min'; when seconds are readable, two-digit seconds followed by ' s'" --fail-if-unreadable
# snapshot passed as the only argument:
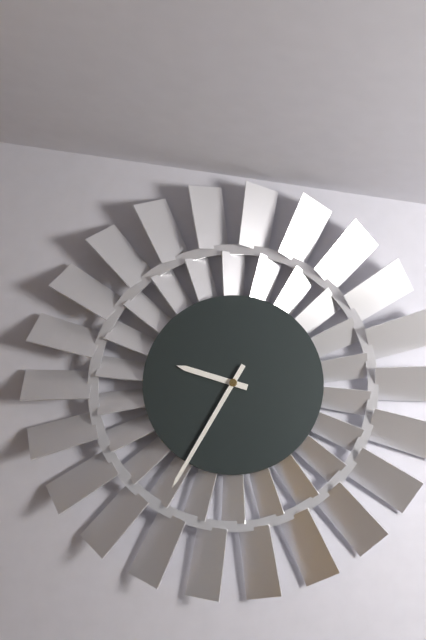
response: 9 h 35 min
